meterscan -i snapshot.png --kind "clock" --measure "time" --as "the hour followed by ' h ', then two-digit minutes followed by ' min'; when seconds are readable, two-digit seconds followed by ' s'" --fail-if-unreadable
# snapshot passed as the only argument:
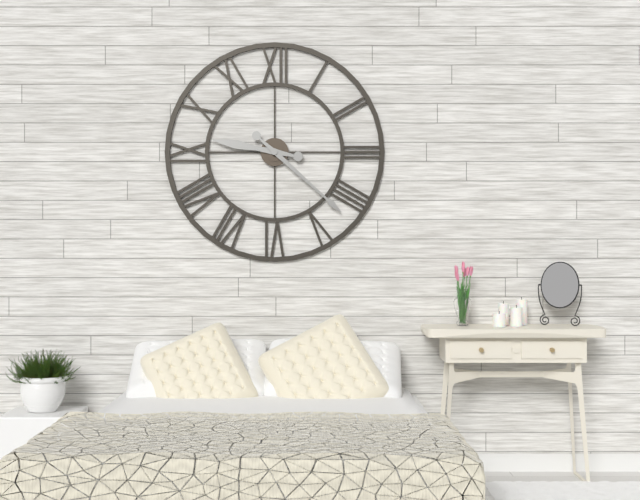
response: 9 h 22 min
